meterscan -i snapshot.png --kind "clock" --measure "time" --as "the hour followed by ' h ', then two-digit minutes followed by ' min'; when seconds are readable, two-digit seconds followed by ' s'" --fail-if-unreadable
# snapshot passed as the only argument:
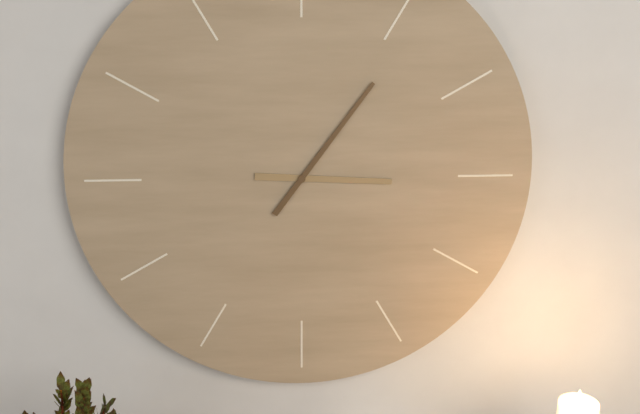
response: 3 h 06 min
